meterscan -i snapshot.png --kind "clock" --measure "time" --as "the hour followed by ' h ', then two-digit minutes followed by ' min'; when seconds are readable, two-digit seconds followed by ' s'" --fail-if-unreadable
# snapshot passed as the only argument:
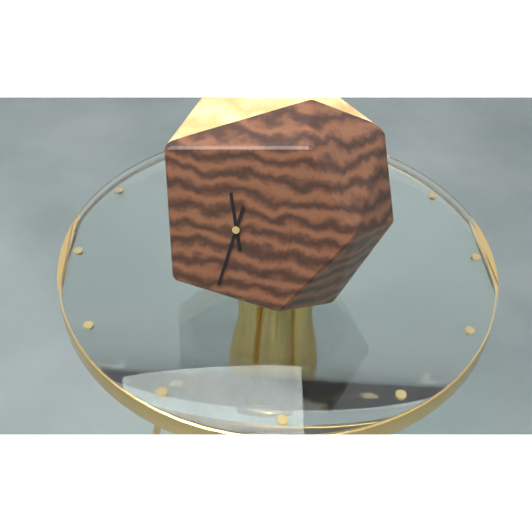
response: 11 h 32 min
